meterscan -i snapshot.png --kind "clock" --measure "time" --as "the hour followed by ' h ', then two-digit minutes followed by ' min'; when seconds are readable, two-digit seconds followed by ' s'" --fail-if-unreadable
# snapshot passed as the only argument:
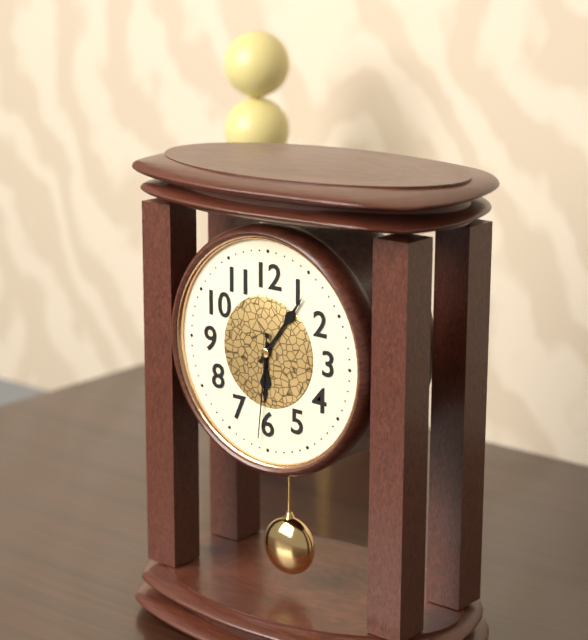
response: 6 h 06 min 31 s
